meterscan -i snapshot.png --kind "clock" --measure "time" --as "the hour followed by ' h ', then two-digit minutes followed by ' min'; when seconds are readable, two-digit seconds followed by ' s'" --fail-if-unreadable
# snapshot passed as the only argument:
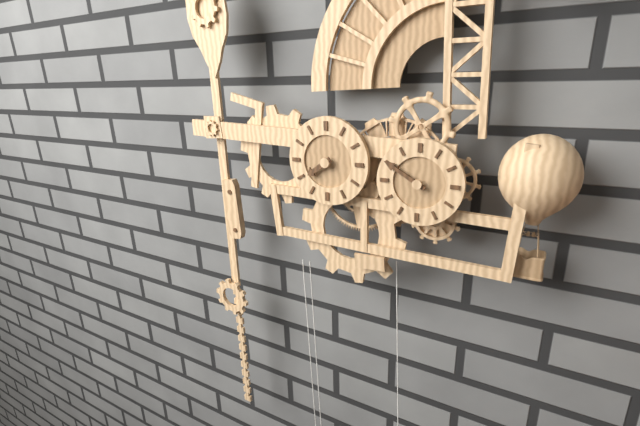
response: 7 h 50 min
